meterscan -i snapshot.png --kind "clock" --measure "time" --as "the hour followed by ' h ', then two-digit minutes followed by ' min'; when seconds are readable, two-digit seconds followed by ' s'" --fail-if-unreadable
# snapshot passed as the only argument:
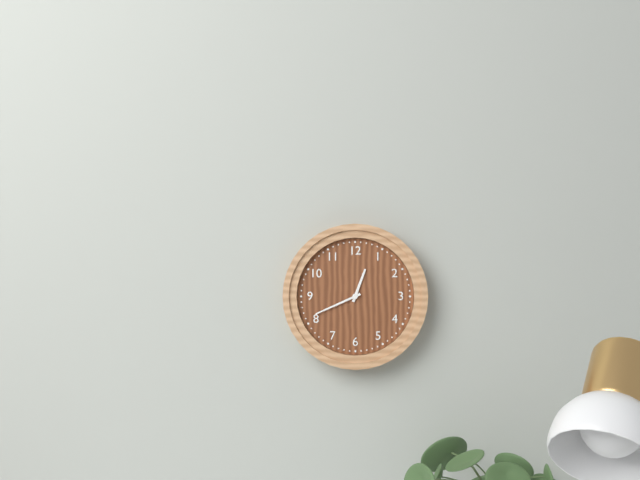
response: 12 h 41 min
